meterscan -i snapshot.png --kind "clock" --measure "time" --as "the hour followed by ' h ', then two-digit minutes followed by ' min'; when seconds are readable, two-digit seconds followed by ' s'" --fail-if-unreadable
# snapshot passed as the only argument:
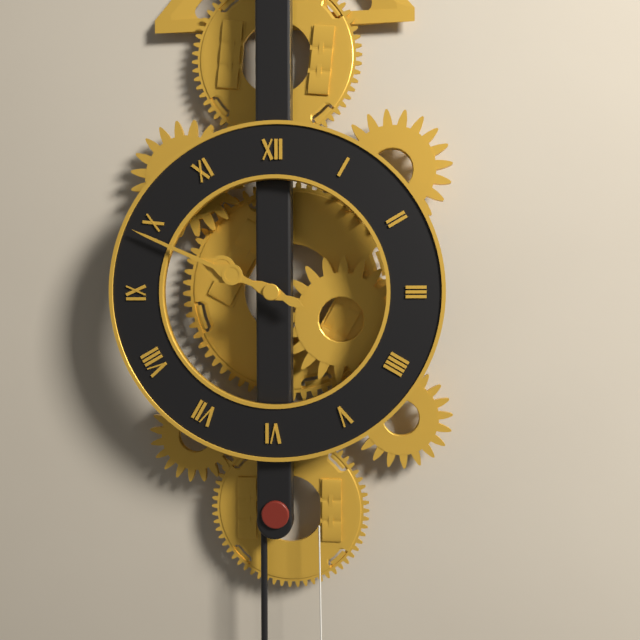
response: 9 h 49 min
